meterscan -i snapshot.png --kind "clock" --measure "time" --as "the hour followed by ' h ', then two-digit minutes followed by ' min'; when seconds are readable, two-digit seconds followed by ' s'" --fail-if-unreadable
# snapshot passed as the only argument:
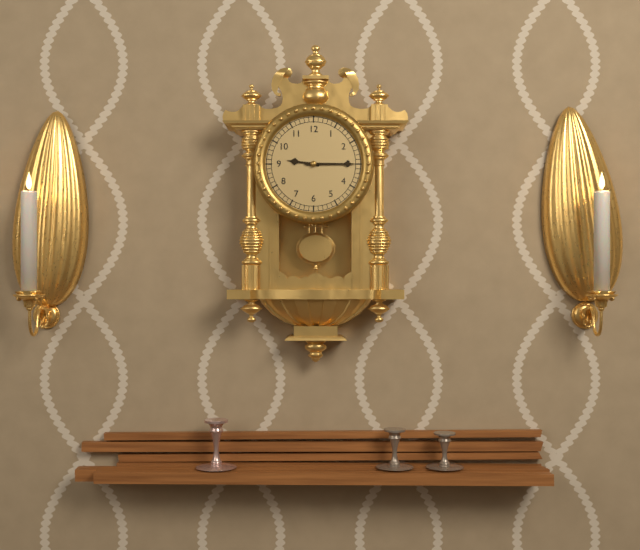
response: 9 h 15 min
